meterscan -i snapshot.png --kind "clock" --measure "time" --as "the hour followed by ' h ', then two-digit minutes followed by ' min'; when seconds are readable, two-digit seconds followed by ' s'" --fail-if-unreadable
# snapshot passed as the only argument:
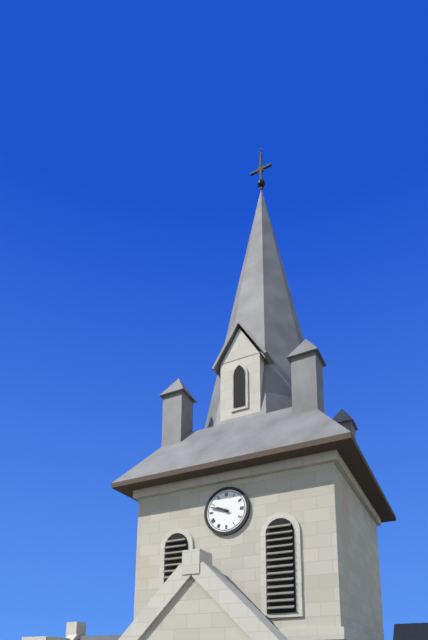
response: 9 h 48 min
